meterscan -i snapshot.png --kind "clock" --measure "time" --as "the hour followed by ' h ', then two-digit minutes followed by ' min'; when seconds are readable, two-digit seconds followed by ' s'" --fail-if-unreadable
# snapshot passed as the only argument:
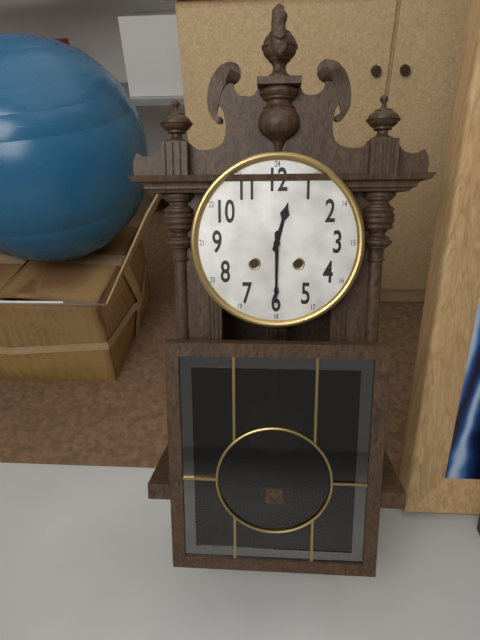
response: 12 h 30 min
